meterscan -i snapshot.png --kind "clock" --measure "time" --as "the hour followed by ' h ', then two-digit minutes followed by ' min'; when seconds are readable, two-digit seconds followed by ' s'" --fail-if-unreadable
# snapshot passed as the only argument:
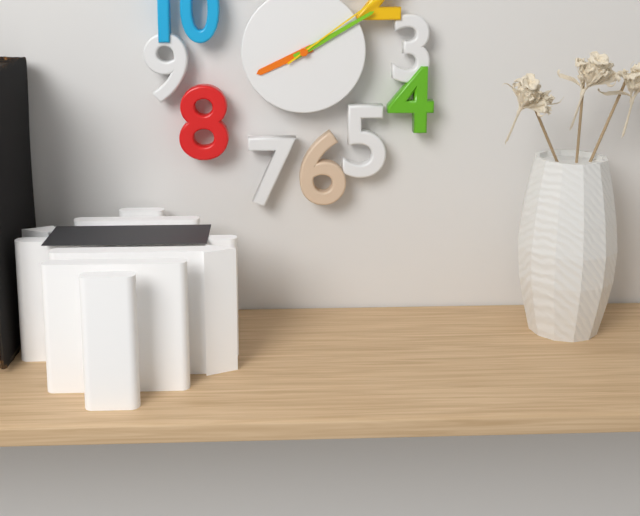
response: 8 h 10 min
